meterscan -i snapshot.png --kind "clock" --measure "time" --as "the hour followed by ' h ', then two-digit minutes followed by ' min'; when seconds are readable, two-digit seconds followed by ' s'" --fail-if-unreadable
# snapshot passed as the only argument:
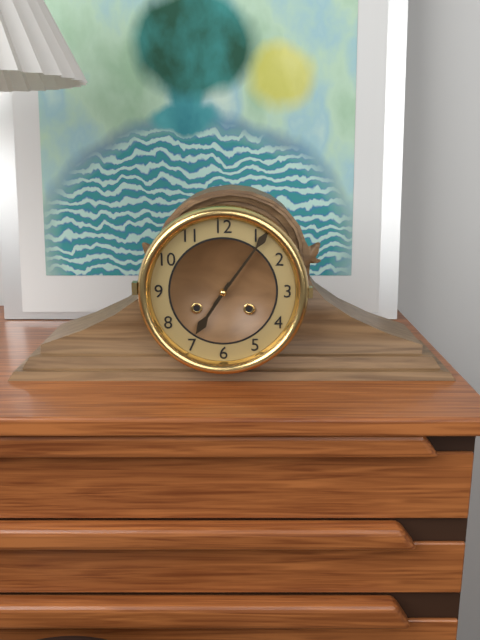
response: 7 h 06 min
